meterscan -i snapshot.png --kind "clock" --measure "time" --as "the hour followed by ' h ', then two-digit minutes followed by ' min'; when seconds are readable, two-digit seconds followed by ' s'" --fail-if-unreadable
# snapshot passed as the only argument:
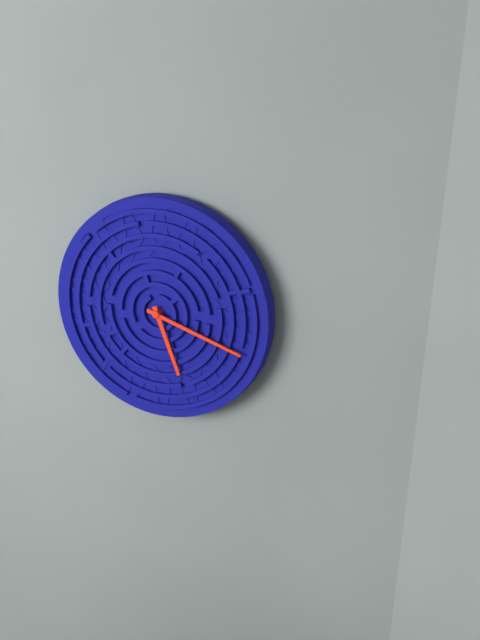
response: 5 h 18 min
